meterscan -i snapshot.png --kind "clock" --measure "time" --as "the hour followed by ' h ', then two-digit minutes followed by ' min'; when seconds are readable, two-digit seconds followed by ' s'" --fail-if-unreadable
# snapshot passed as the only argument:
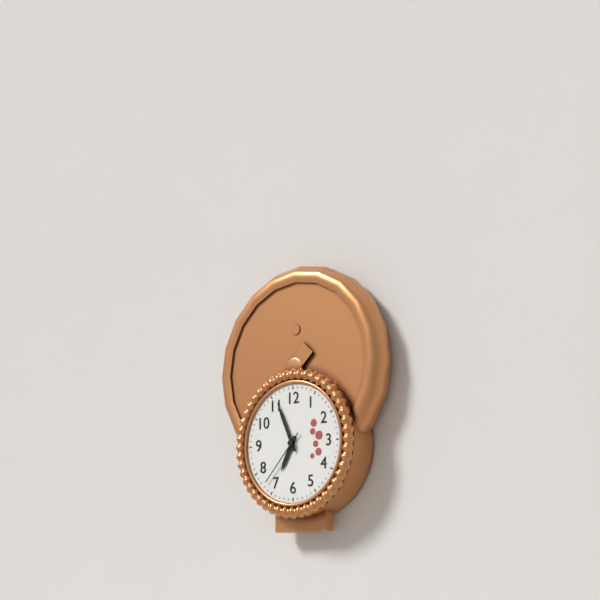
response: 6 h 56 min 37 s
